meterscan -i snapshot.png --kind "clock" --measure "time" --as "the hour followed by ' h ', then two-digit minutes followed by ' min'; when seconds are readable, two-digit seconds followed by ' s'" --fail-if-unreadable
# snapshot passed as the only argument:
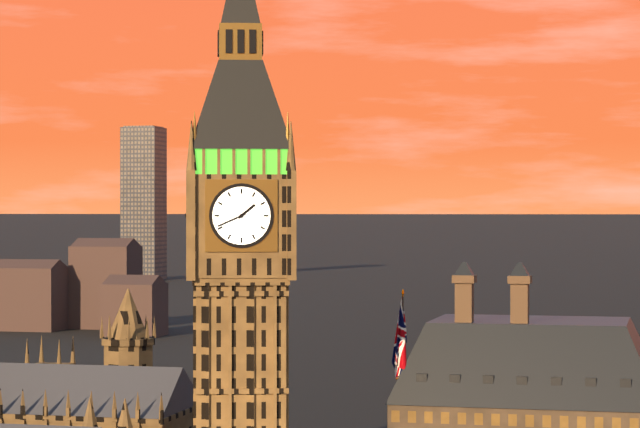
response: 1 h 41 min
